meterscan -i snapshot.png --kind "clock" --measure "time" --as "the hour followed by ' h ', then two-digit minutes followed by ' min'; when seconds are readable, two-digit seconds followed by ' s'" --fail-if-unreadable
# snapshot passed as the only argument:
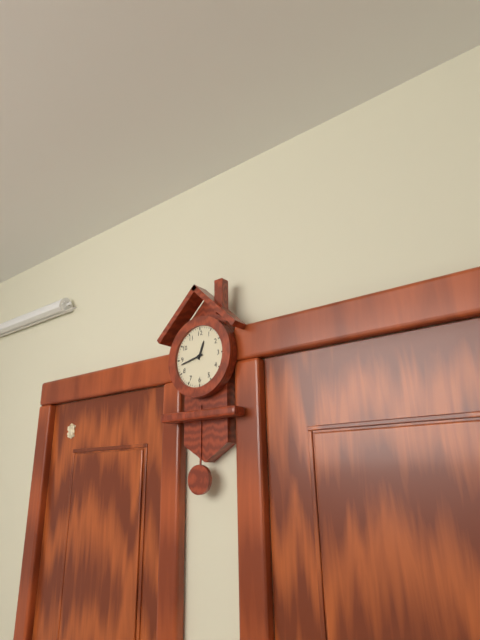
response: 12 h 43 min
